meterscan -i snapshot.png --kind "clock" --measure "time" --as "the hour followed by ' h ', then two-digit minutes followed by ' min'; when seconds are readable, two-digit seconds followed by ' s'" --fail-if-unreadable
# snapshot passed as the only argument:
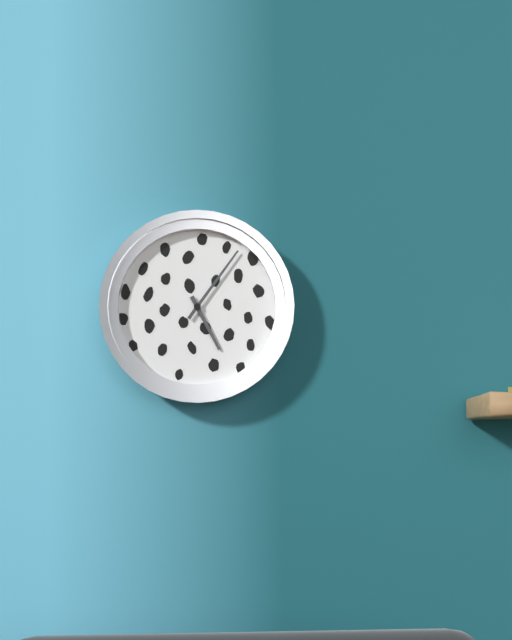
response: 5 h 06 min
